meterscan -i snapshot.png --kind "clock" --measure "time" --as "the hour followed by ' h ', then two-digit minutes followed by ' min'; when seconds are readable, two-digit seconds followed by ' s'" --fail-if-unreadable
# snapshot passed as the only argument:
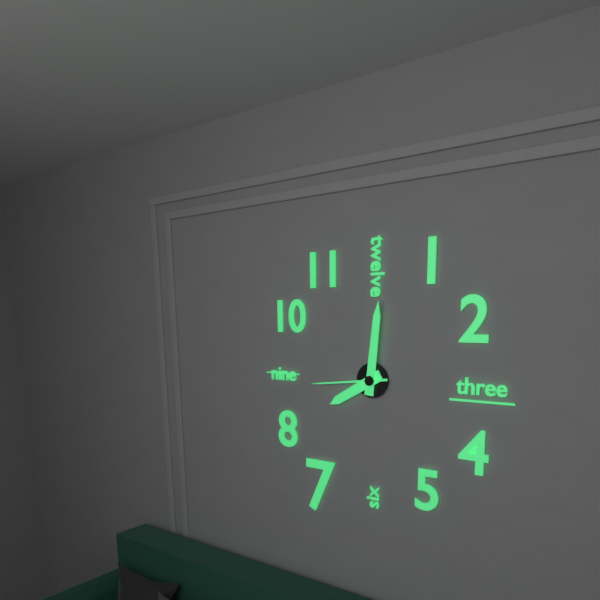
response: 8 h 01 min 44 s
